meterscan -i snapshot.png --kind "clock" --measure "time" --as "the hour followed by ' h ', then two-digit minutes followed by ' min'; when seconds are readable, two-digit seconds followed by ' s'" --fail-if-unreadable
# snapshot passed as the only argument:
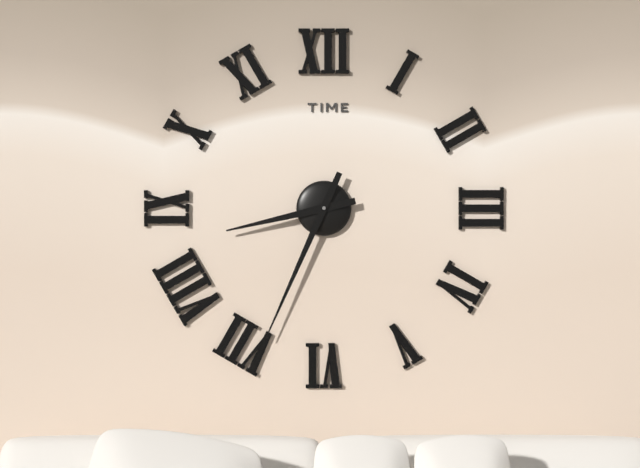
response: 8 h 34 min
